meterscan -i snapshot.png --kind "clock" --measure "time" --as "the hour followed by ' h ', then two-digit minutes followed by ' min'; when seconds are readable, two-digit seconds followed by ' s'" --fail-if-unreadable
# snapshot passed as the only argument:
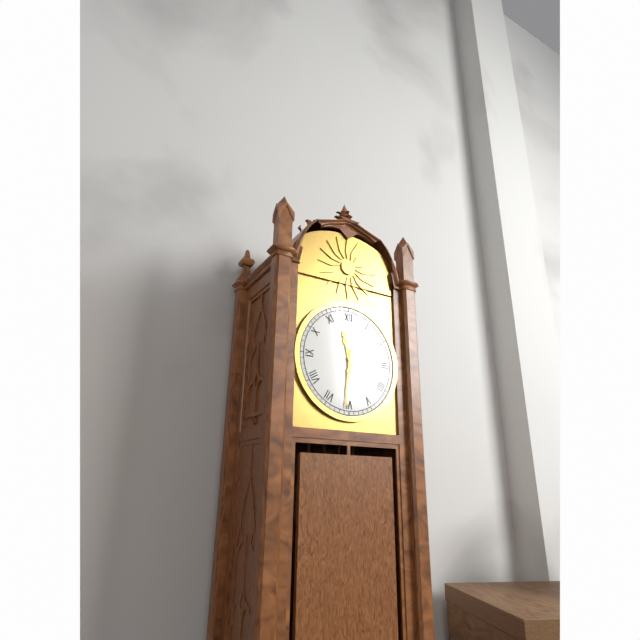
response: 11 h 31 min
